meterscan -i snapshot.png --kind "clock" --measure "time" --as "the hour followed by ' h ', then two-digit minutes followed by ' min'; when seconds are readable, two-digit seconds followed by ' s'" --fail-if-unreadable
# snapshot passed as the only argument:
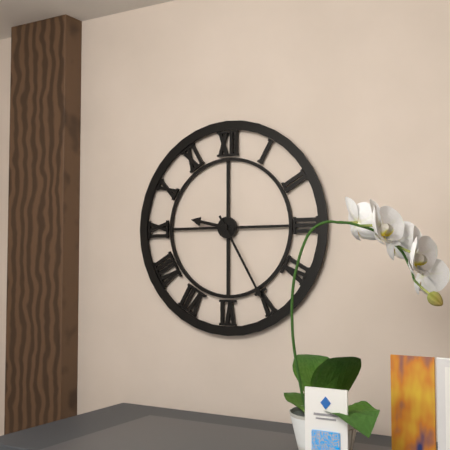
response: 9 h 25 min
